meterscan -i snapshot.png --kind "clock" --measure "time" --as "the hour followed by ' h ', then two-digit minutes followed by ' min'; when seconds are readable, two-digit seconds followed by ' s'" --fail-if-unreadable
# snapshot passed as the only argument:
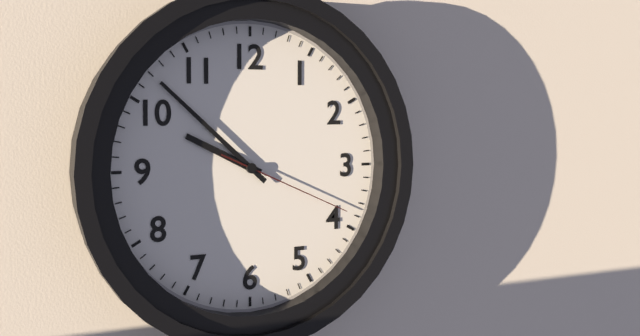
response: 9 h 52 min 19 s
